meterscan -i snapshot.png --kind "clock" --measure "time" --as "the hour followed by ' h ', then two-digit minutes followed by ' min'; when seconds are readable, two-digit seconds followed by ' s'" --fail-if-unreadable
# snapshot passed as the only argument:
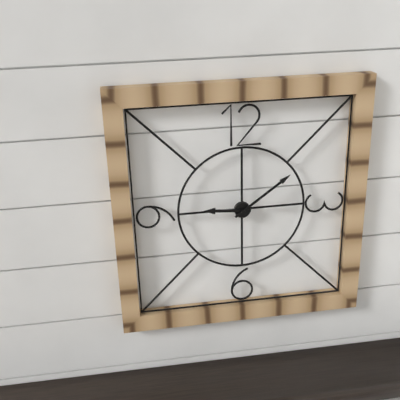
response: 9 h 09 min
